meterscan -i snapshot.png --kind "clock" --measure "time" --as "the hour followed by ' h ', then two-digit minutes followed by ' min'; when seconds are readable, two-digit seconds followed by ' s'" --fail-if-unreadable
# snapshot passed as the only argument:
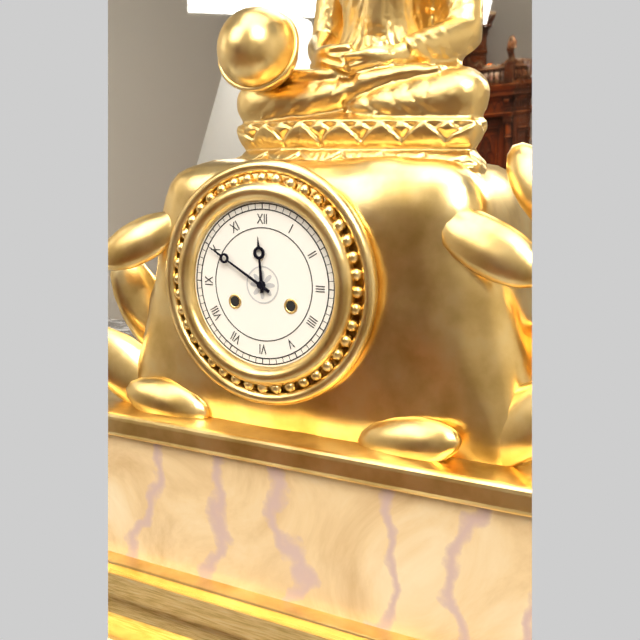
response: 11 h 50 min
